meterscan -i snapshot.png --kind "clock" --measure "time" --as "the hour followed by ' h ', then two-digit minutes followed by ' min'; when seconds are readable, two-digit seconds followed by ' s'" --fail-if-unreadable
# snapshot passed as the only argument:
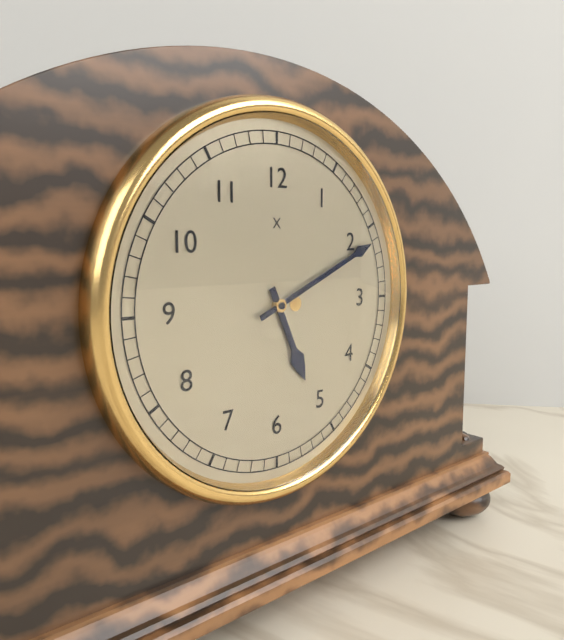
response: 5 h 11 min
